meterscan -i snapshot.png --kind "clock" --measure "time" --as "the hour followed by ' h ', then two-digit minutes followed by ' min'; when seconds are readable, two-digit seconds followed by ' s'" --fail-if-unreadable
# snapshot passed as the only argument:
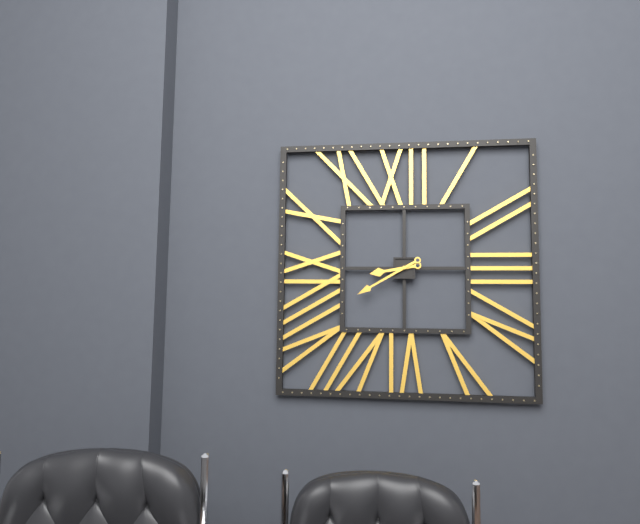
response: 8 h 40 min
